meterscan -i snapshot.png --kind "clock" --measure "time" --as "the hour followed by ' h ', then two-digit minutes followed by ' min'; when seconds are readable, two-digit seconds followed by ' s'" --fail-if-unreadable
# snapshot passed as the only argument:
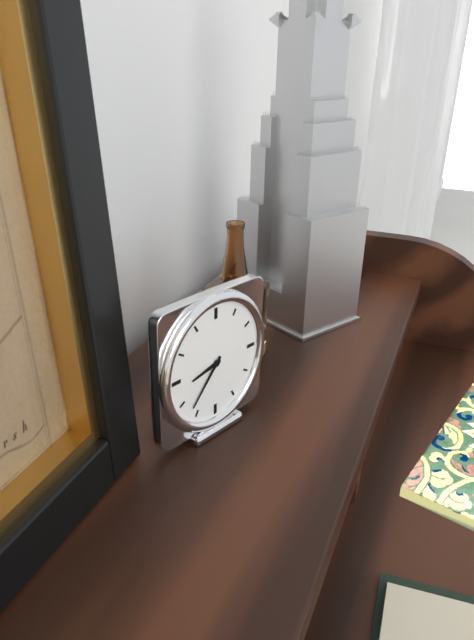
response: 8 h 37 min
